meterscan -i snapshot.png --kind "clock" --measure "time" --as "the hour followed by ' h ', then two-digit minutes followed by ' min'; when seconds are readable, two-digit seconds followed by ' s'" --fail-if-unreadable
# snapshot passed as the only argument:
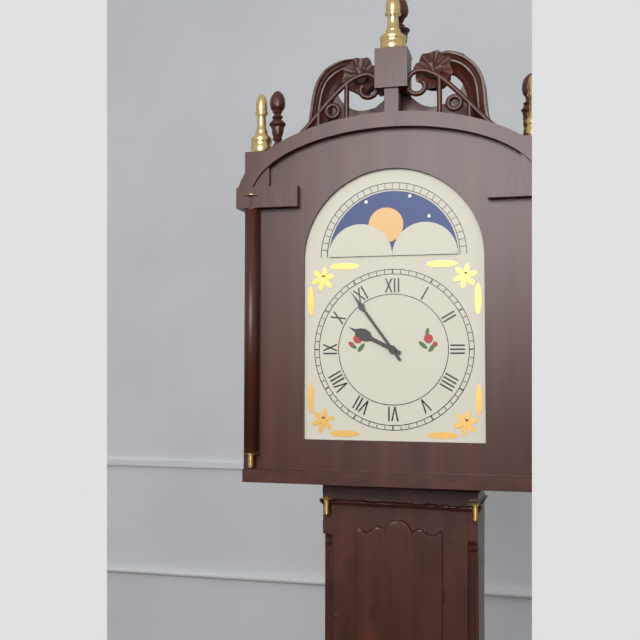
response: 9 h 54 min
